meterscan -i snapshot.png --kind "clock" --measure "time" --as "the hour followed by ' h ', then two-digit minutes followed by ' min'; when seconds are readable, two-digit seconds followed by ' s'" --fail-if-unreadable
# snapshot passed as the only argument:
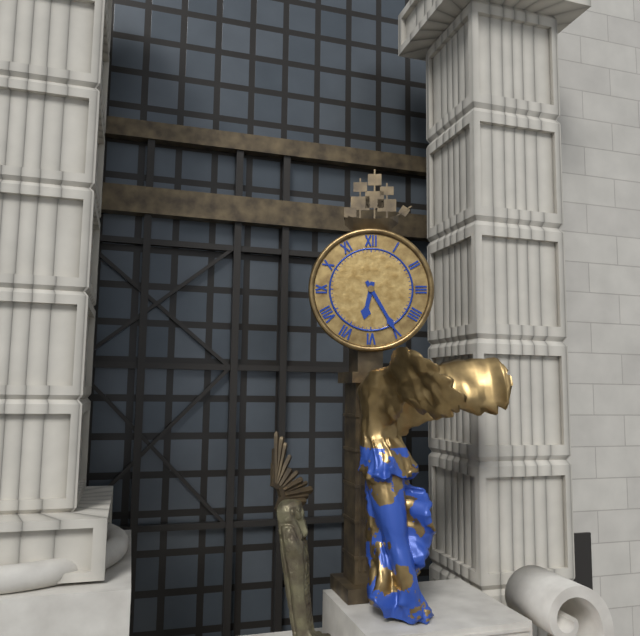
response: 6 h 25 min
